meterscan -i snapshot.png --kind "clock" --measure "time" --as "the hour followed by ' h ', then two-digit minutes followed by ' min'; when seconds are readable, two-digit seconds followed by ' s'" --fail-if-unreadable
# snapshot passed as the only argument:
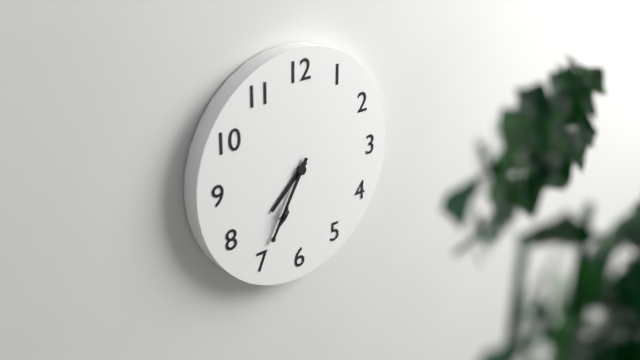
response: 7 h 35 min
